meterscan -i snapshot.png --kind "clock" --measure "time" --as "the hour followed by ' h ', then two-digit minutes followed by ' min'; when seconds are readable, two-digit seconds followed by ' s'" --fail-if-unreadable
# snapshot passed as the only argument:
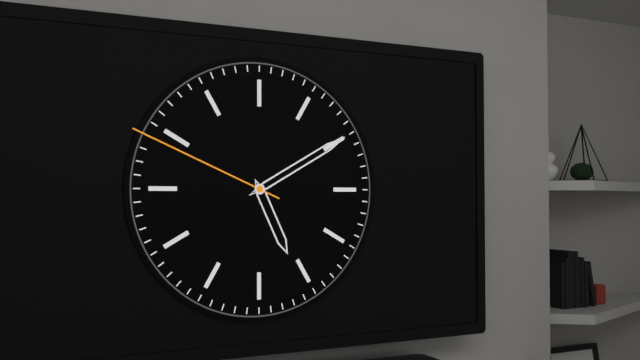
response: 5 h 10 min 49 s
